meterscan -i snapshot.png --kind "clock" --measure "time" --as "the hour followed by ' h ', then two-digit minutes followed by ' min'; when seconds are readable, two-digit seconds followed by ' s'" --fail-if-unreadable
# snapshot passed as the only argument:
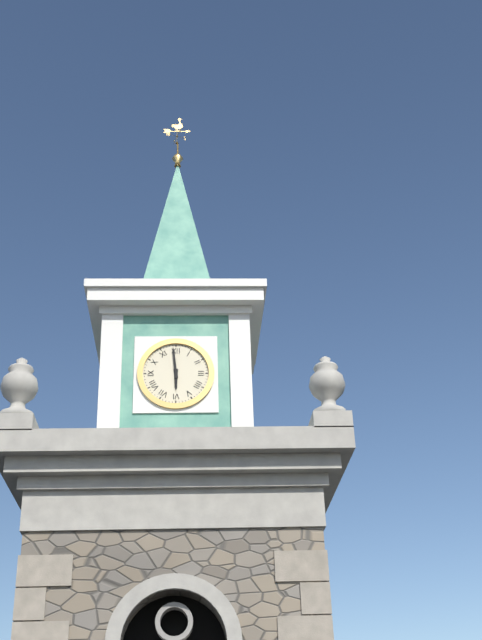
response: 5 h 59 min
